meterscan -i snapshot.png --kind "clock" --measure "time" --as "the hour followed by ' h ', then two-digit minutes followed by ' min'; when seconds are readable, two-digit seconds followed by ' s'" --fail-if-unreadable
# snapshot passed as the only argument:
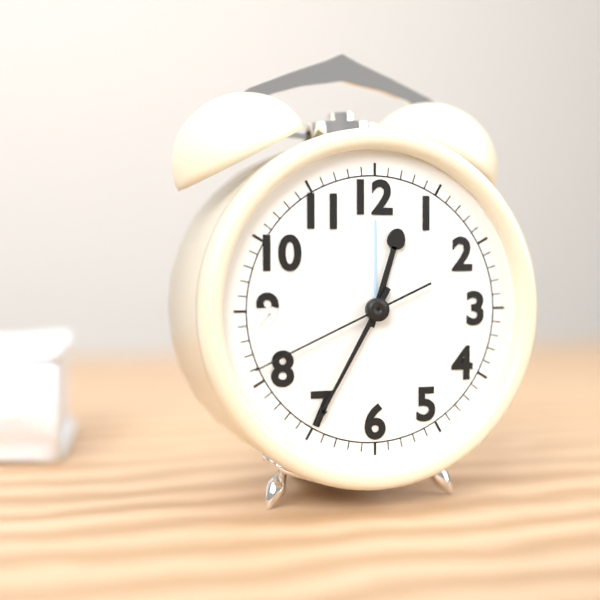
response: 12 h 35 min 41 s
